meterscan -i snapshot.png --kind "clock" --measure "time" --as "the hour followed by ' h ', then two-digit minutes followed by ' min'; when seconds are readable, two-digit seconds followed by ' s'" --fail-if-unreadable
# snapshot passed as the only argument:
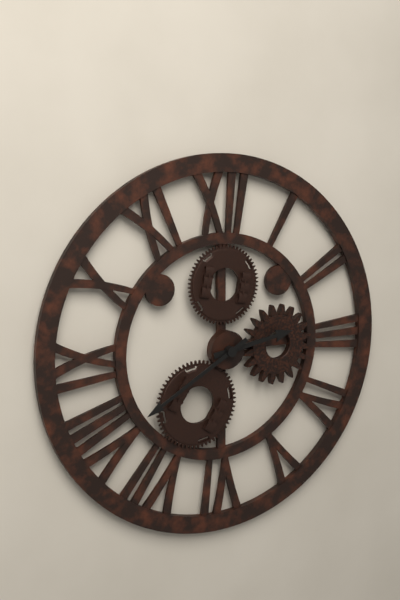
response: 2 h 40 min
